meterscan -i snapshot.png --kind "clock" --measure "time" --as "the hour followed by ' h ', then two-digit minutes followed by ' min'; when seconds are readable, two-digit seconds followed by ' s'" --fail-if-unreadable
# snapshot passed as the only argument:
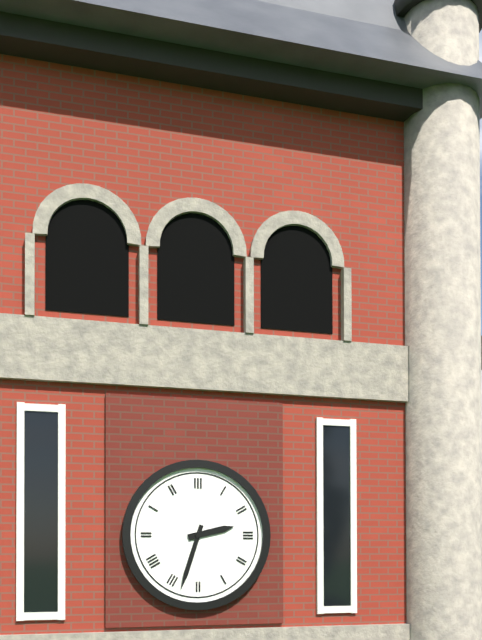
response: 2 h 33 min
